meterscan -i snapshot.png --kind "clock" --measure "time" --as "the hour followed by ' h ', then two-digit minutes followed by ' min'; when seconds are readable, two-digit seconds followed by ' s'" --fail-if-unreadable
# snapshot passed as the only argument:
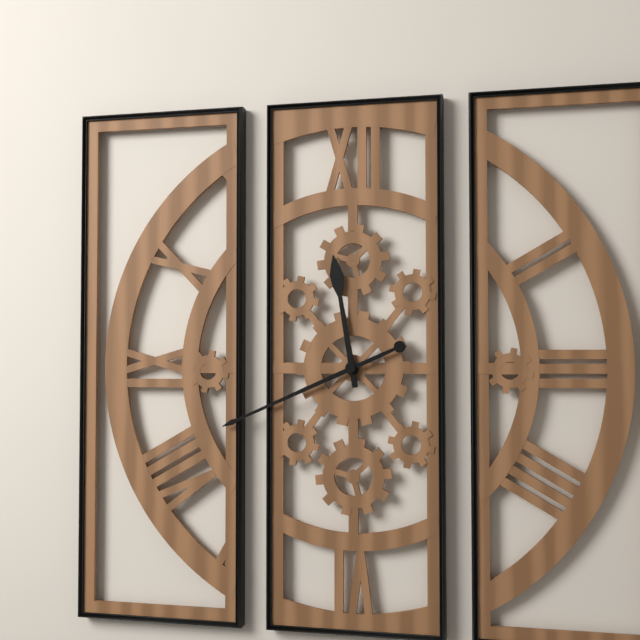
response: 11 h 41 min
